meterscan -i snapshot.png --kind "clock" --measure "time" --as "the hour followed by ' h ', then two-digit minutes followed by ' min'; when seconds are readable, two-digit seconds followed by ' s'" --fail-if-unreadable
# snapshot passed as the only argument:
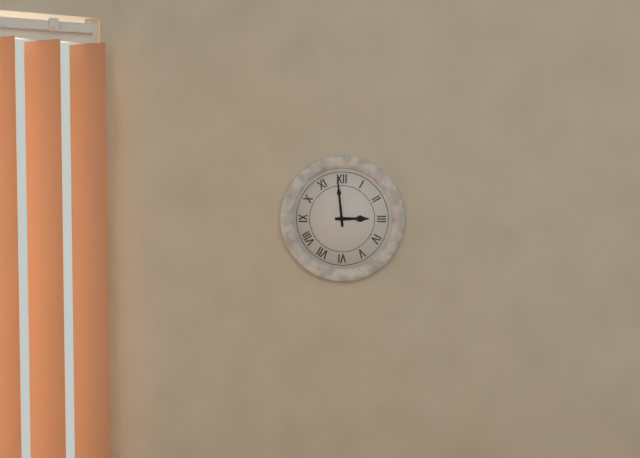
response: 2 h 59 min
